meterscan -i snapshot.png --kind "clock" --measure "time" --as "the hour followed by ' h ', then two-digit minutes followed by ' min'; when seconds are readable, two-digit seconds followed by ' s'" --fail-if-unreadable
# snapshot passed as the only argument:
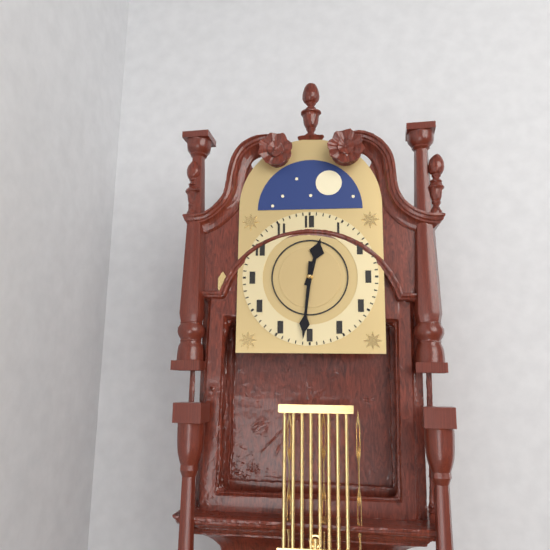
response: 12 h 31 min
